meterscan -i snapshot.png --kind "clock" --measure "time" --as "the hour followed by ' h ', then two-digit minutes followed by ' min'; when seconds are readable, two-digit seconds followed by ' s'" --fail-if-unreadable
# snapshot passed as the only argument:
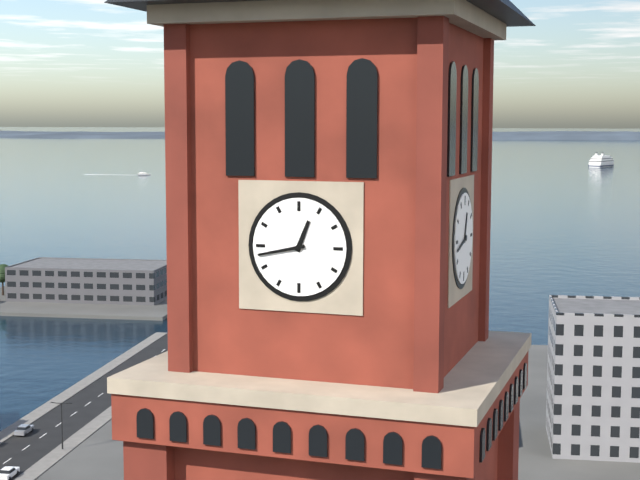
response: 12 h 43 min
